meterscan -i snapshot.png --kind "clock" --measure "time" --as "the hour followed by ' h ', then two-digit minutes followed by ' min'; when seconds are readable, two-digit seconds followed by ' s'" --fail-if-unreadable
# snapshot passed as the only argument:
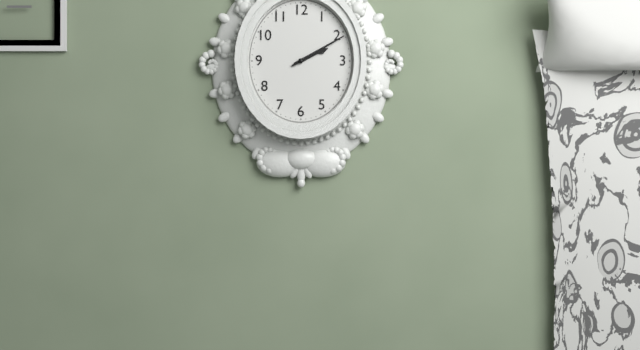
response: 2 h 10 min
